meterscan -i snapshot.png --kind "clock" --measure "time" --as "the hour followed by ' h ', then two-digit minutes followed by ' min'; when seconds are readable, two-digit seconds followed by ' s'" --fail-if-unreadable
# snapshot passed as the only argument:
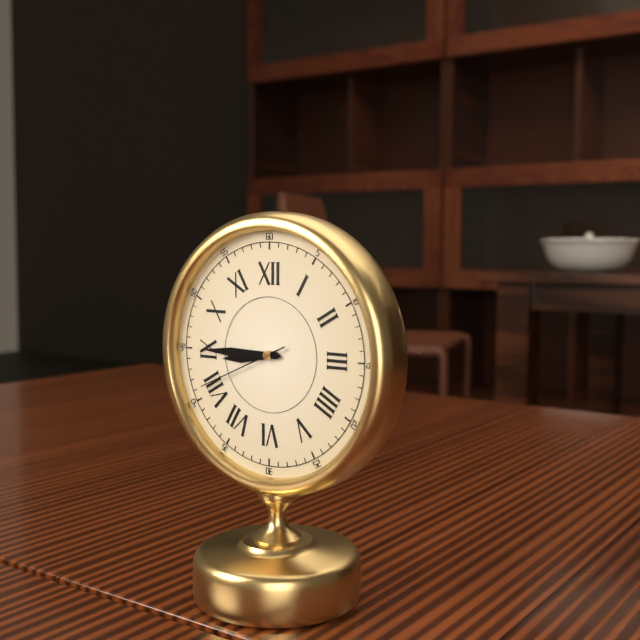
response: 8 h 45 min 41 s
